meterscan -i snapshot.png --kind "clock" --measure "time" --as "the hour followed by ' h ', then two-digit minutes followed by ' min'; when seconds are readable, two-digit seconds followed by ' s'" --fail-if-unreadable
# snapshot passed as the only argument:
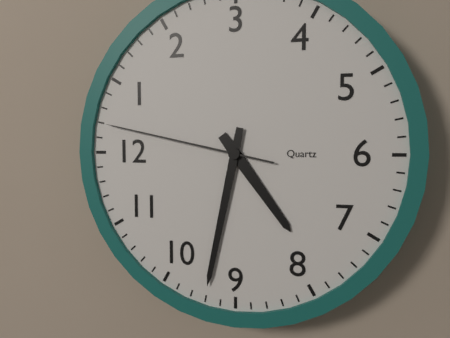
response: 7 h 47 min 02 s
